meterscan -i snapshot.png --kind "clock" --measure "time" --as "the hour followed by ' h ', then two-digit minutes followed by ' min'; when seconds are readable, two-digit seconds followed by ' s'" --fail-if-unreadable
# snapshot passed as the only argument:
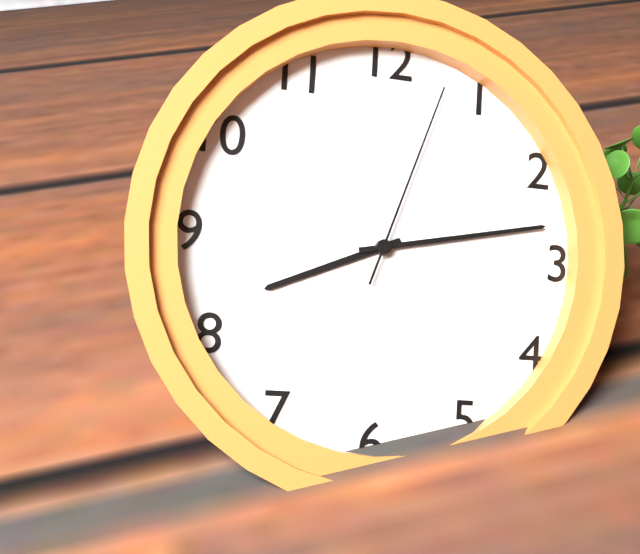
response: 8 h 13 min 03 s
